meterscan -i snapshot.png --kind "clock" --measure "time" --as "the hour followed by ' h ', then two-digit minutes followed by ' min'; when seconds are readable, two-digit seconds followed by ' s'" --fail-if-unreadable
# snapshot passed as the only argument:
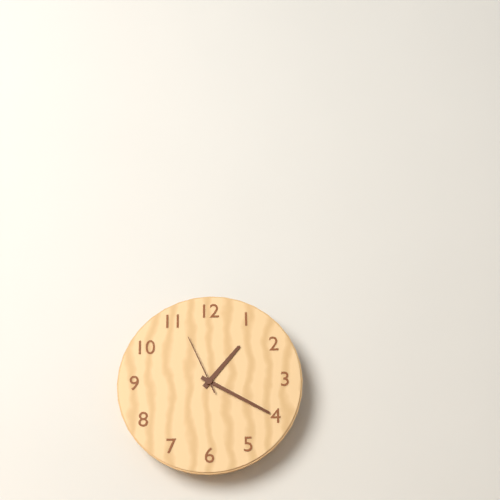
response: 1 h 20 min 56 s
